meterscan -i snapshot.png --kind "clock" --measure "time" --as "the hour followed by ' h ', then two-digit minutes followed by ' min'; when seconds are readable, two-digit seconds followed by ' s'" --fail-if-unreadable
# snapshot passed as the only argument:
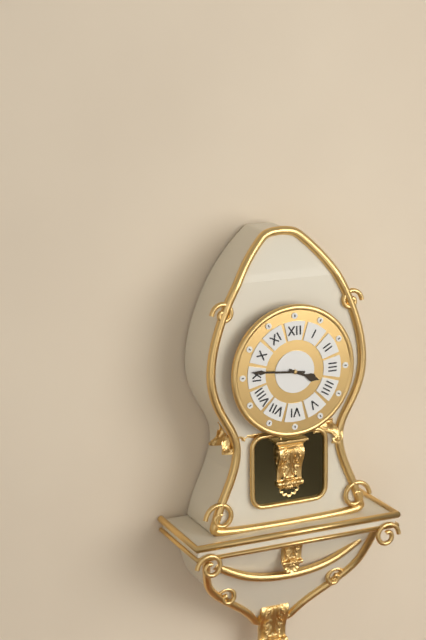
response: 3 h 46 min
